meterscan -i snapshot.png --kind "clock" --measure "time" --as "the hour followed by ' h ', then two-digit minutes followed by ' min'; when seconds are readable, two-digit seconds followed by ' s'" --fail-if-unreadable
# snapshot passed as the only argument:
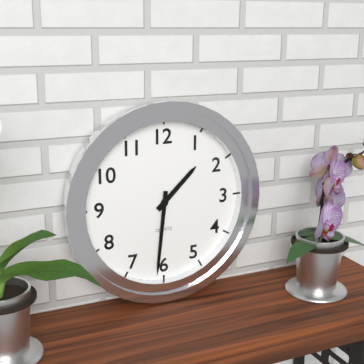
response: 1 h 31 min
